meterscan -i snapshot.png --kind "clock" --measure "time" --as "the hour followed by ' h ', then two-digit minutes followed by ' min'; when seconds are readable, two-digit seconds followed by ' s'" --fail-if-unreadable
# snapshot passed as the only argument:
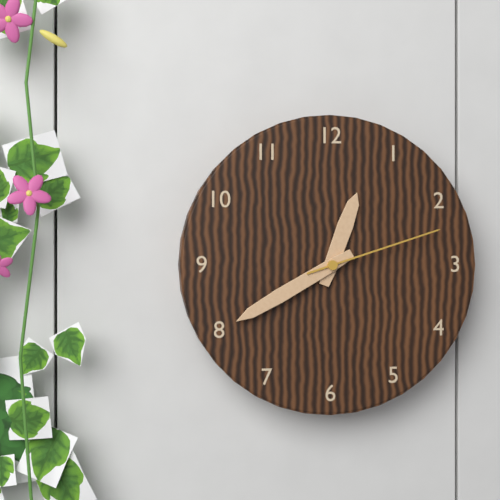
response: 12 h 40 min 12 s
